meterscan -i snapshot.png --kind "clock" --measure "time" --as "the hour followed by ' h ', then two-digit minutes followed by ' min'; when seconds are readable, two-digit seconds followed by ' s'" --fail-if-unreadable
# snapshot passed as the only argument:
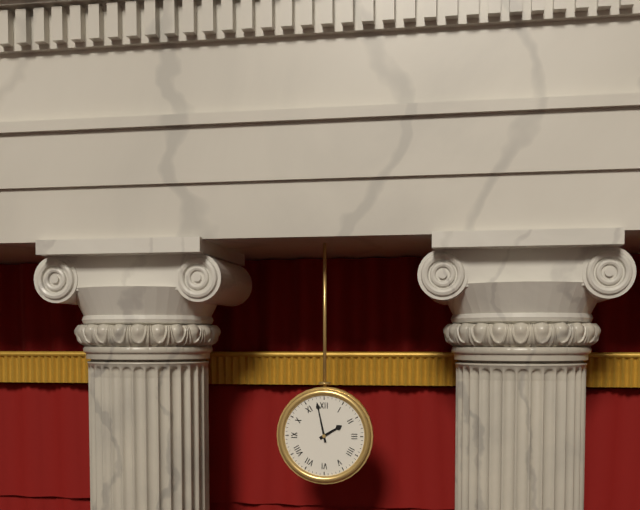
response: 1 h 58 min
